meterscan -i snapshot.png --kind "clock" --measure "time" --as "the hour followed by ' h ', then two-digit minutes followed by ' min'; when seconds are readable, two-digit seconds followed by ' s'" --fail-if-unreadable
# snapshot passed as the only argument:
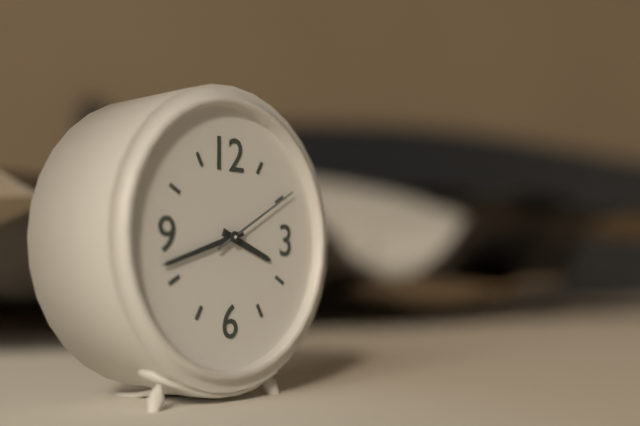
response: 3 h 42 min 10 s
